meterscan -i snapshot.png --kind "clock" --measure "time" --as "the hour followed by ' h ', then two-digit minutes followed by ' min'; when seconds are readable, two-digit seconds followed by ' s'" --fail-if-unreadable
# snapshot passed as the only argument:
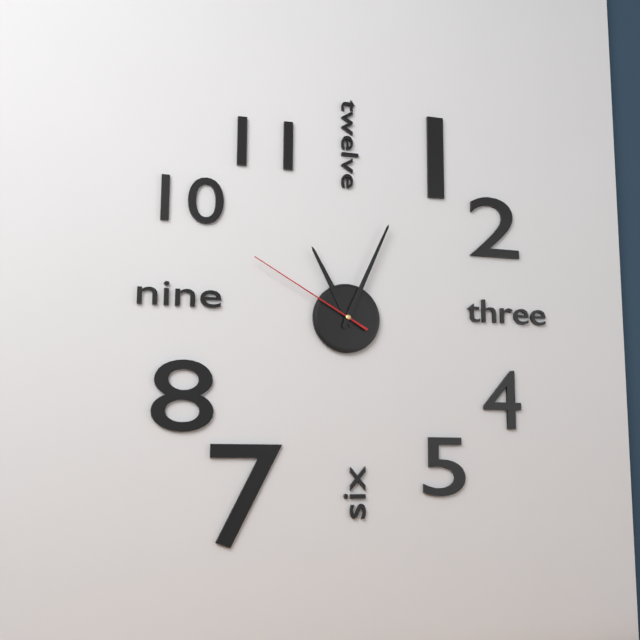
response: 11 h 04 min 50 s
